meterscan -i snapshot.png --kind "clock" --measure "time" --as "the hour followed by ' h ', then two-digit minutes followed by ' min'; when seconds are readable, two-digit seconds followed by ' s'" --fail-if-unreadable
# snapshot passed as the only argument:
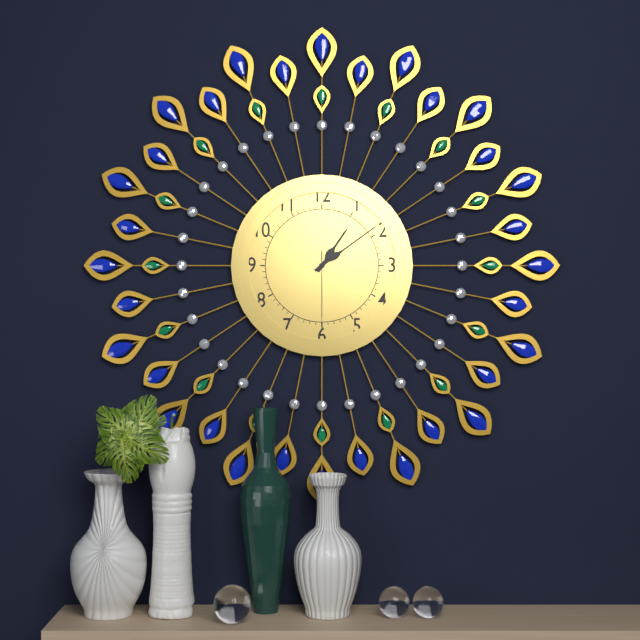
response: 1 h 09 min 30 s
